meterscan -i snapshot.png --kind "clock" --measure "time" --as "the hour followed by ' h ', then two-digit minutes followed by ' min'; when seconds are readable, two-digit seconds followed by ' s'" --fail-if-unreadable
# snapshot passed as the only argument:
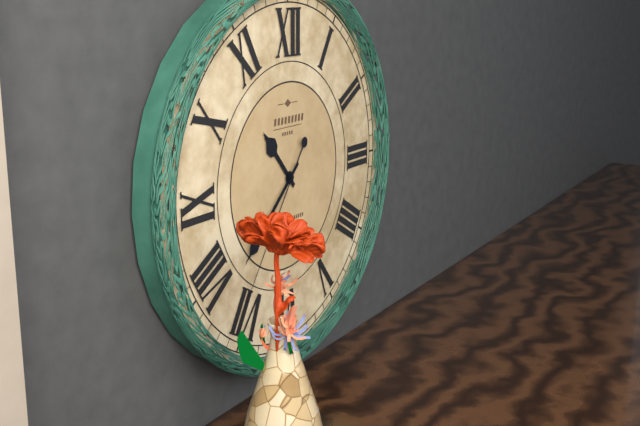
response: 10 h 38 min 36 s
